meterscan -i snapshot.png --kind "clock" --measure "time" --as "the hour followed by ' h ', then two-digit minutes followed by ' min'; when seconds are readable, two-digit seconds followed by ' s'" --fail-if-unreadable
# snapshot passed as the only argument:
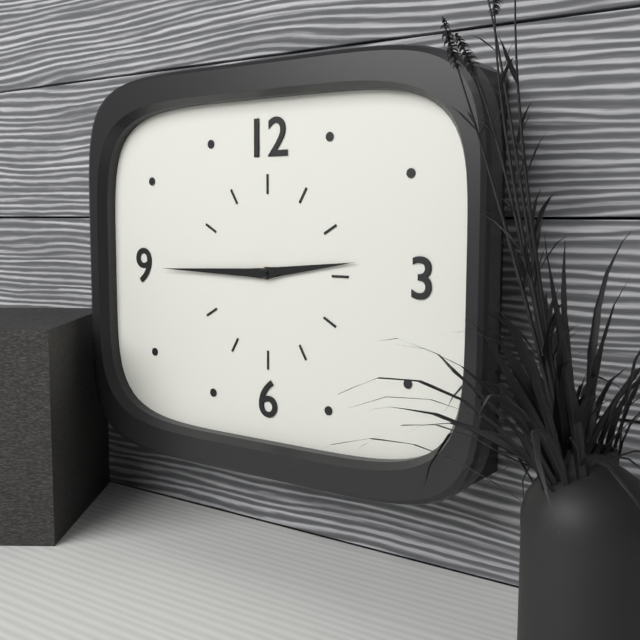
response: 2 h 45 min
